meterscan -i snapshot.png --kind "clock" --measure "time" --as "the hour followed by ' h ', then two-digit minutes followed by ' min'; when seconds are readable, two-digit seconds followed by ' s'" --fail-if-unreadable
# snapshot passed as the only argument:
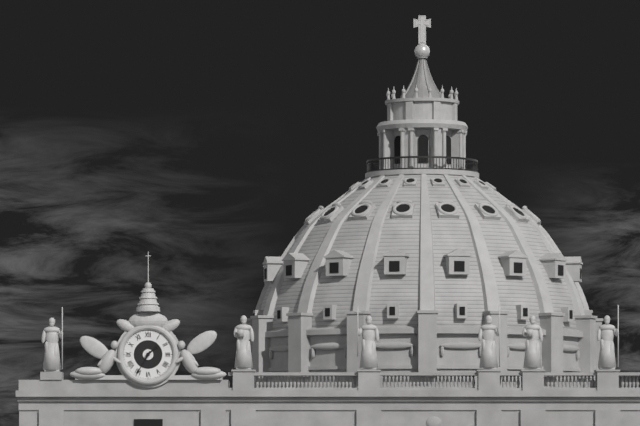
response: 1 h 35 min
